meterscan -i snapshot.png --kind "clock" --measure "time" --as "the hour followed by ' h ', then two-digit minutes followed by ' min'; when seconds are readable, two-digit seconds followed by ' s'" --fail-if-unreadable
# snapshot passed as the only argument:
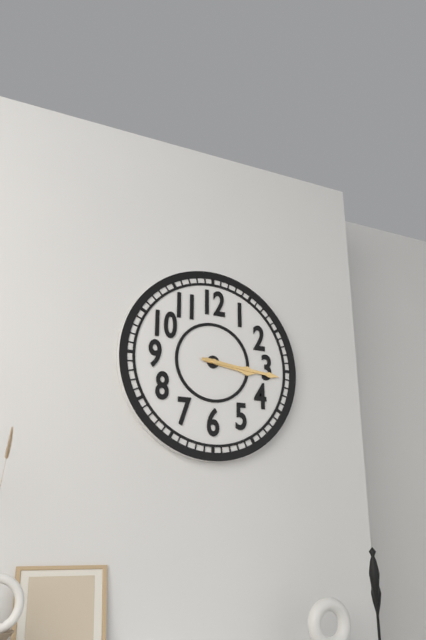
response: 3 h 16 min
